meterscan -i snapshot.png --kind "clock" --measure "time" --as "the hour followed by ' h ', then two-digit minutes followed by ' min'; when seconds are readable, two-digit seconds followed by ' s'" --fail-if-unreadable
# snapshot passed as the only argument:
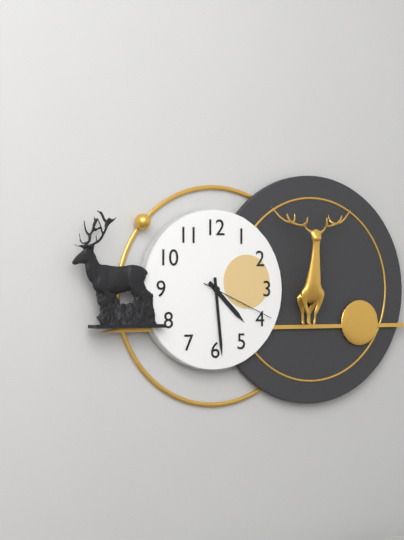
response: 4 h 29 min 19 s
